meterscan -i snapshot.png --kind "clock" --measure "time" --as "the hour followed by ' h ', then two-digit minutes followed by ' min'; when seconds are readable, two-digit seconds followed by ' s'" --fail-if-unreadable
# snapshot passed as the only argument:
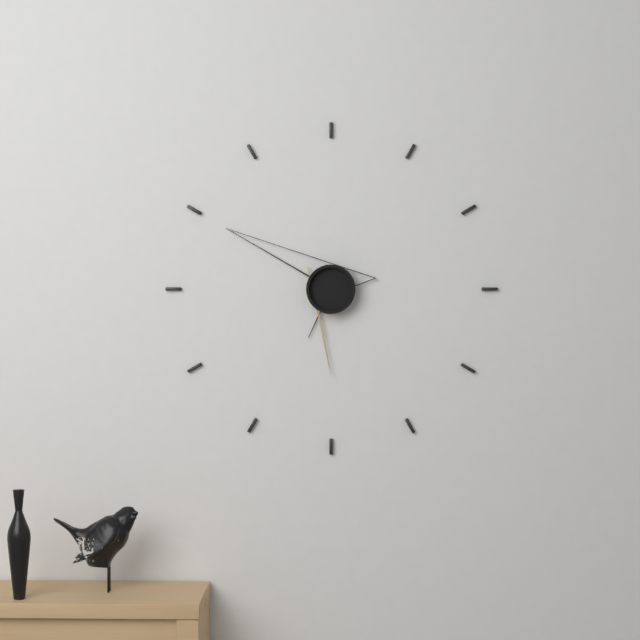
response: 6 h 50 min 30 s
